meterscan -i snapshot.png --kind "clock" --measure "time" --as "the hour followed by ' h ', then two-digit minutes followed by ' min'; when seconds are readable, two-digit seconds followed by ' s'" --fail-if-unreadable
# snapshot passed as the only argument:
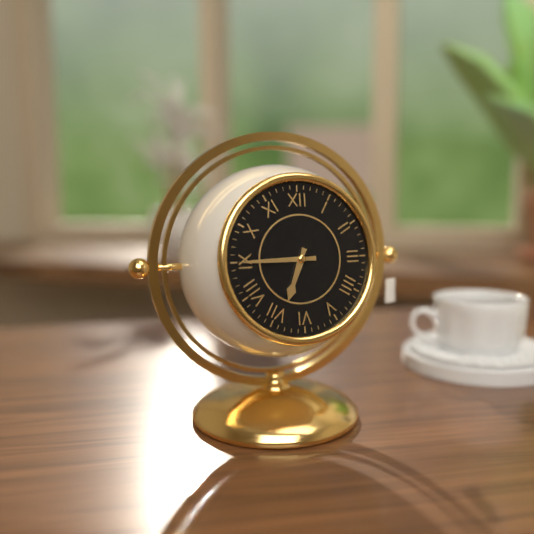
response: 6 h 45 min
